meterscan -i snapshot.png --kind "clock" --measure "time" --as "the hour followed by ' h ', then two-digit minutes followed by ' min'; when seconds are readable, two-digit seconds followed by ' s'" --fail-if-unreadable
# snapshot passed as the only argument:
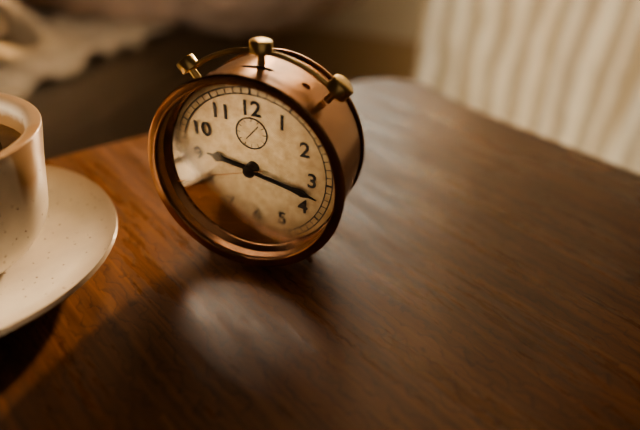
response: 9 h 17 min 42 s
